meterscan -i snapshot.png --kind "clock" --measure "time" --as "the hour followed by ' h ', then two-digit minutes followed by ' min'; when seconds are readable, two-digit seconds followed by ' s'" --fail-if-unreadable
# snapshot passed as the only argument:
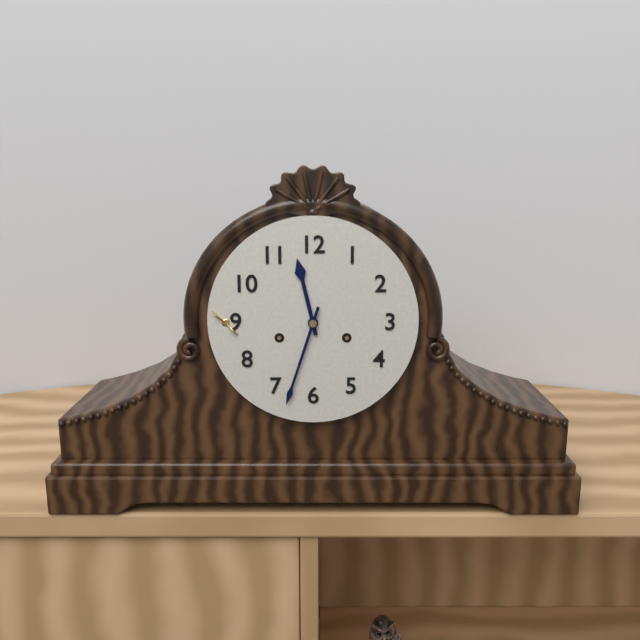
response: 11 h 33 min
